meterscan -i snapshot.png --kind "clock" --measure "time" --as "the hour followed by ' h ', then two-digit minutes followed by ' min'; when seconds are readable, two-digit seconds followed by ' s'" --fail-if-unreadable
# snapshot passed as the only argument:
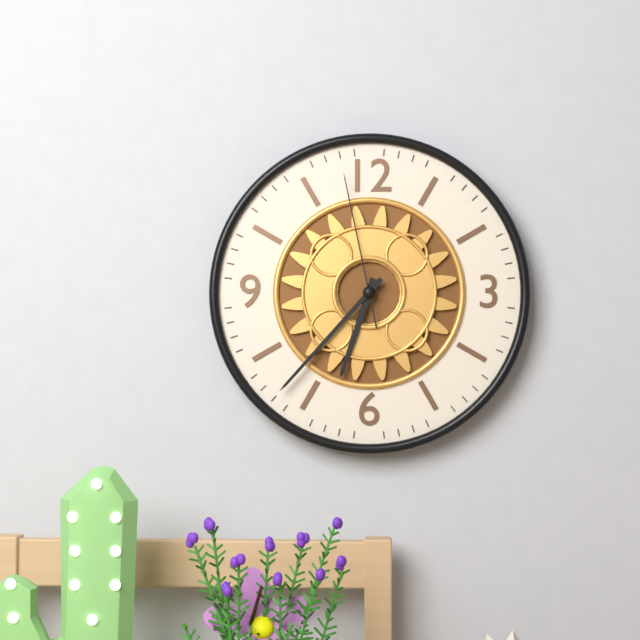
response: 6 h 37 min 58 s
